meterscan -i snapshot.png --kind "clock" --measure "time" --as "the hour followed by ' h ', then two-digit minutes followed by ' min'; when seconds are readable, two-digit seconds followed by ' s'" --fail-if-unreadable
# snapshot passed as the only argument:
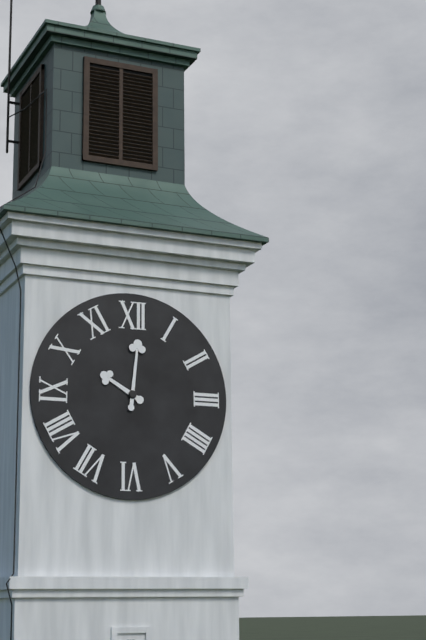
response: 10 h 01 min
